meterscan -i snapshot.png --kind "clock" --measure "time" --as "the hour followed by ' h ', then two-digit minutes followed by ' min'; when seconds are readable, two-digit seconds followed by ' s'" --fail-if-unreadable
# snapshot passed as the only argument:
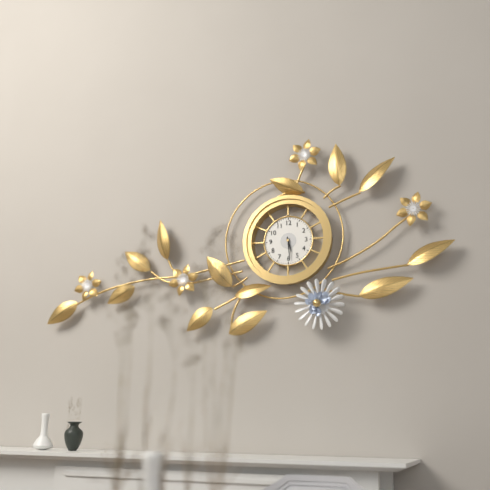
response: 5 h 29 min
